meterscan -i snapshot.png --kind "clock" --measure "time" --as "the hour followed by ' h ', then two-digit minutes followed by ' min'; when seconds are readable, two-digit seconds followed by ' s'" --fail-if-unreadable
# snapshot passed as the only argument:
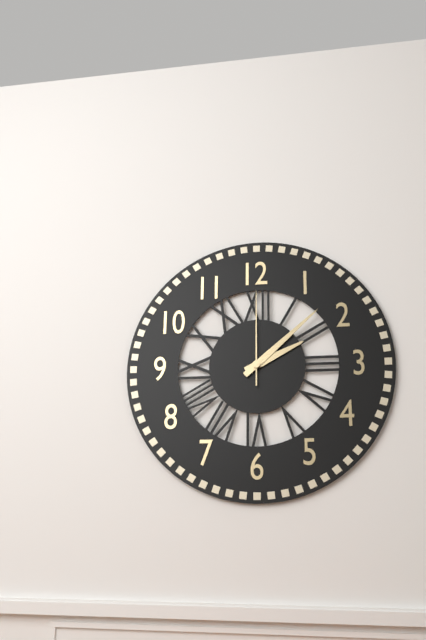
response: 2 h 08 min 00 s
